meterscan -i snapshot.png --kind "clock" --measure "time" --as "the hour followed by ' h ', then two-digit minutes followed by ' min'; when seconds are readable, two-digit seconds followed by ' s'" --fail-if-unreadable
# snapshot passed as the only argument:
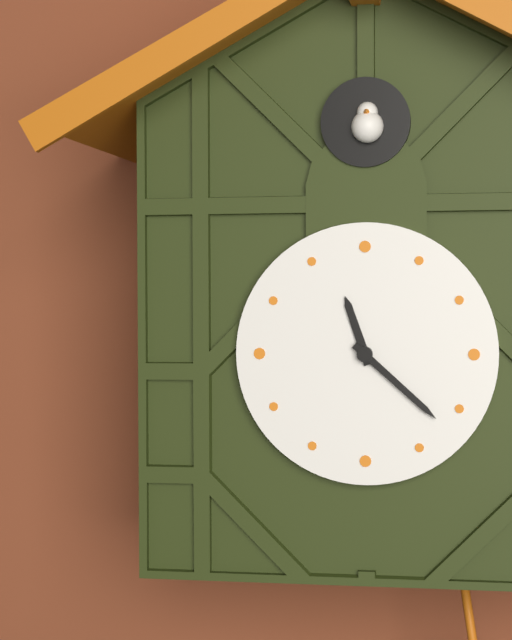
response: 11 h 22 min
